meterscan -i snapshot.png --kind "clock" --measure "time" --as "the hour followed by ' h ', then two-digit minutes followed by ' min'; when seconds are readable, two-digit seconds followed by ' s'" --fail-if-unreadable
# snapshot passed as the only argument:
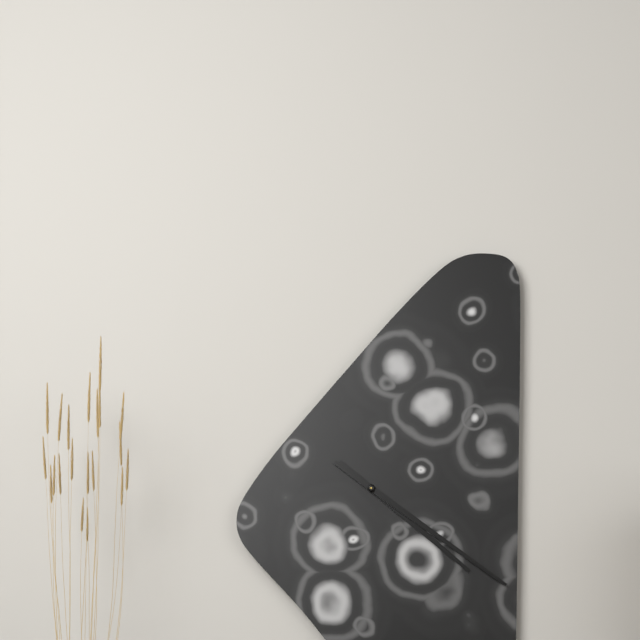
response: 4 h 21 min
